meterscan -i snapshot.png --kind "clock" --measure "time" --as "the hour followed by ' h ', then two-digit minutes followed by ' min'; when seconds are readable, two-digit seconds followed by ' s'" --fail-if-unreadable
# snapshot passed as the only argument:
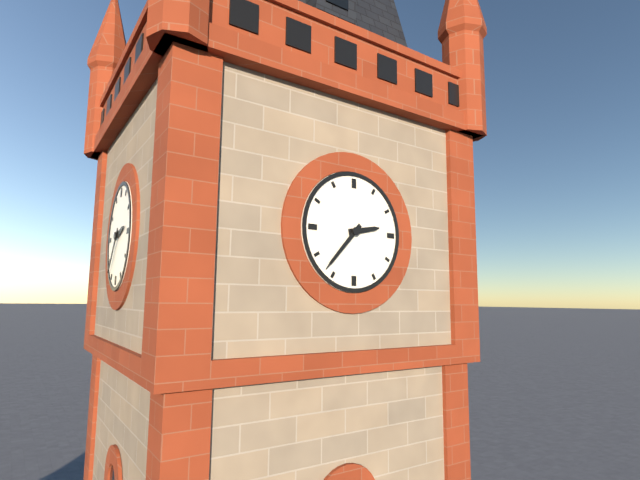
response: 2 h 37 min
